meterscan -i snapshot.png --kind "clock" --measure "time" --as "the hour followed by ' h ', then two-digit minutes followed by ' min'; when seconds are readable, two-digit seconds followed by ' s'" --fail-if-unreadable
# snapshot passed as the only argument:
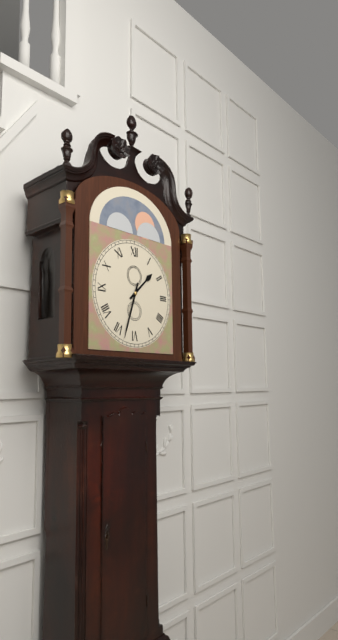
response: 1 h 33 min
